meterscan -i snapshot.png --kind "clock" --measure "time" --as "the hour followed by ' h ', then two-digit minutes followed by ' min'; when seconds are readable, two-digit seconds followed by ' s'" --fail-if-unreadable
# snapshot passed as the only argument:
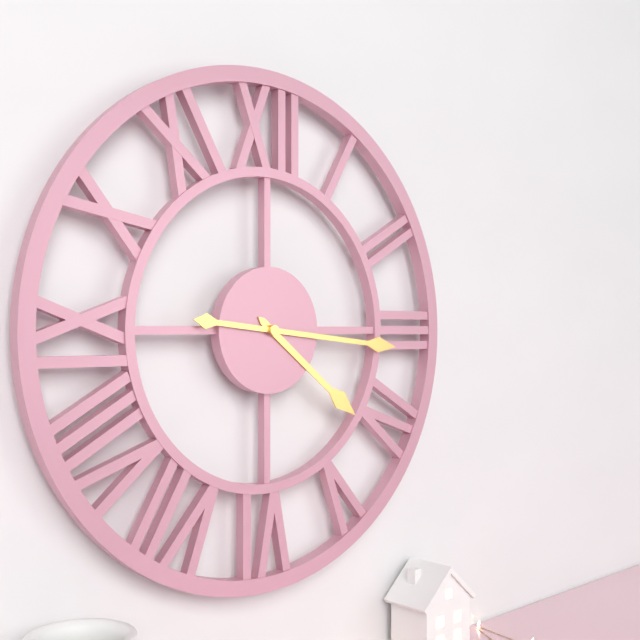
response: 4 h 16 min
